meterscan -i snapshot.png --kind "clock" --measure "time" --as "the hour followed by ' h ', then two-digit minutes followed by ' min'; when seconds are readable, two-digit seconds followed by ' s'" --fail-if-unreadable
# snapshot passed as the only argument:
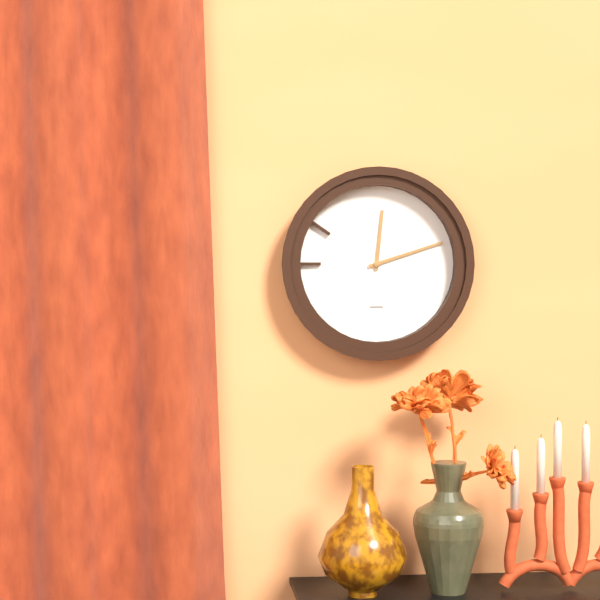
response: 12 h 12 min
